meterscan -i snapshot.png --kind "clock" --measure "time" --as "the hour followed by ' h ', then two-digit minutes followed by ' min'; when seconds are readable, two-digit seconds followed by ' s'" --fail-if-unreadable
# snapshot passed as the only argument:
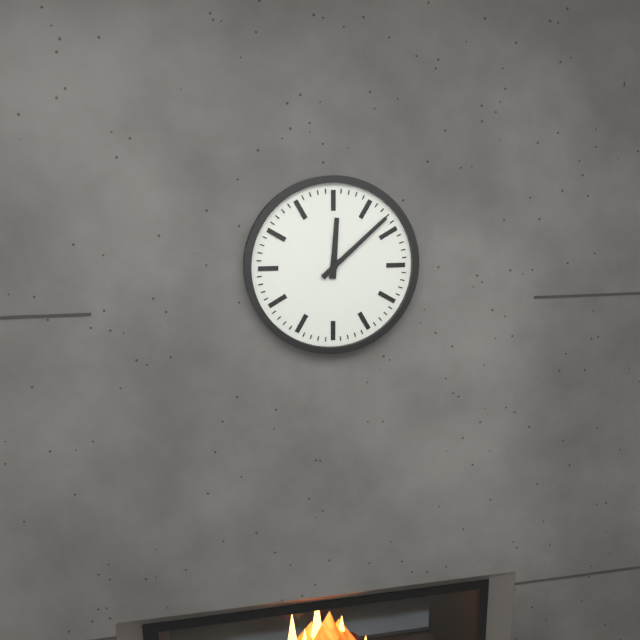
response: 12 h 08 min
